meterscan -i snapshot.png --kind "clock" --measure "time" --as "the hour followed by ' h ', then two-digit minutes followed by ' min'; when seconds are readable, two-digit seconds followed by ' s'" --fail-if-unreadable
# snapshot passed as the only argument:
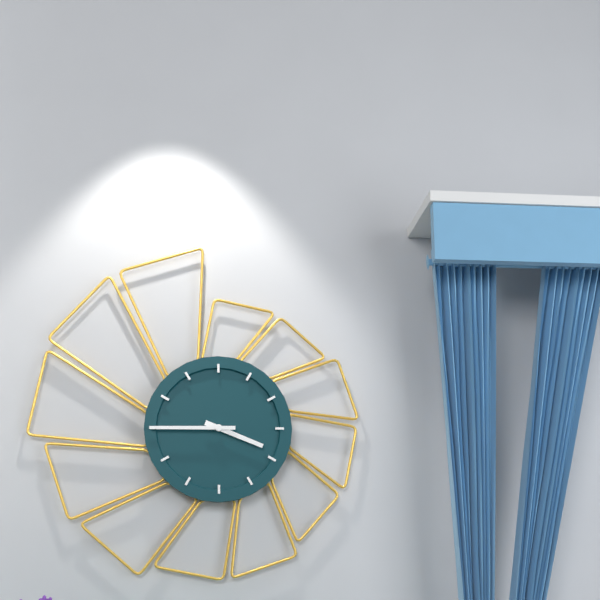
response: 3 h 45 min
